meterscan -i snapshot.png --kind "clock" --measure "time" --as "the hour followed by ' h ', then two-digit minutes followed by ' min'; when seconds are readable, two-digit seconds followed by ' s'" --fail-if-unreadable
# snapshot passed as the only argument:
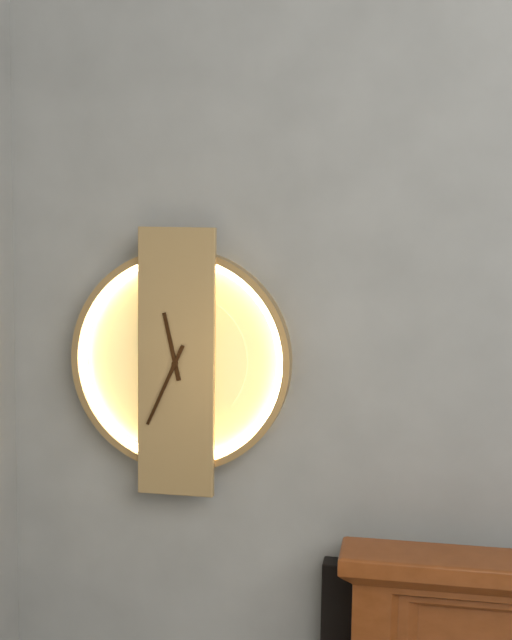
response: 11 h 34 min
